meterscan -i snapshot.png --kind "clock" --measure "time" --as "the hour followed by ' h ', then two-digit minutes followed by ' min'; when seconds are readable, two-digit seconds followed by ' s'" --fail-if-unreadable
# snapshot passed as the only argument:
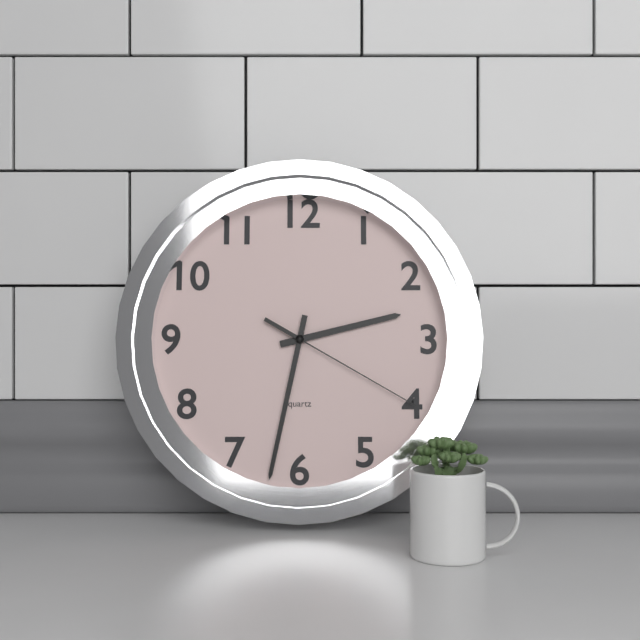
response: 2 h 32 min 20 s
